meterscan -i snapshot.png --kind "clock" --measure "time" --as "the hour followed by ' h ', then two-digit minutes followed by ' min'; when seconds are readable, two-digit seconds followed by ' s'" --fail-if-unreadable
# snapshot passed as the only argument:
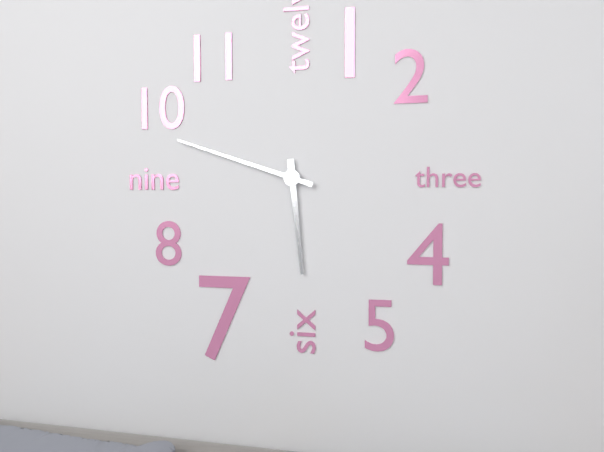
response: 5 h 48 min
